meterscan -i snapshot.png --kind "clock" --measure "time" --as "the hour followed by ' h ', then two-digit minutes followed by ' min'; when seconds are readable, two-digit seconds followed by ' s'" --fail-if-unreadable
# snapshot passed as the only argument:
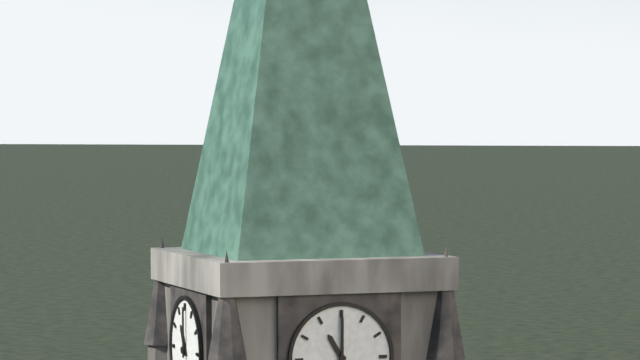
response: 11 h 00 min
